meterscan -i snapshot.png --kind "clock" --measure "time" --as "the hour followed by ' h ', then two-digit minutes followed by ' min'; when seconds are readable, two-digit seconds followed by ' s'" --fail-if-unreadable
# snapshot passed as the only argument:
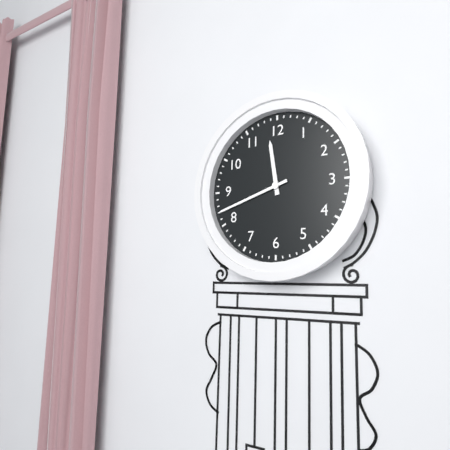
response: 11 h 42 min
